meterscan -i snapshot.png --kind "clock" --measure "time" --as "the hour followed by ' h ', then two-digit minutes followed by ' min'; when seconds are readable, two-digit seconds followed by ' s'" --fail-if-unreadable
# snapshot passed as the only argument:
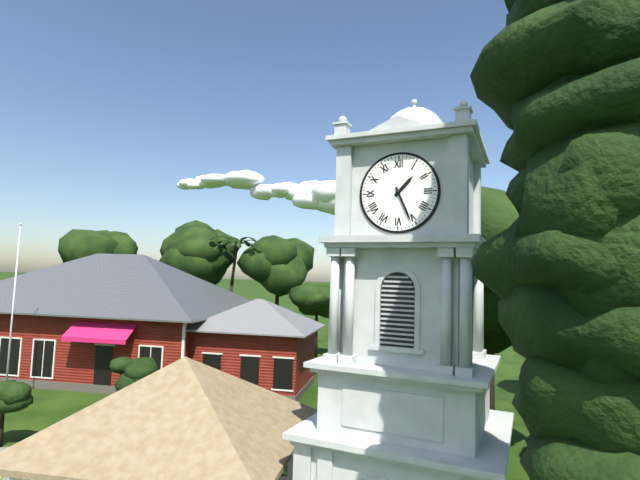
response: 1 h 26 min
